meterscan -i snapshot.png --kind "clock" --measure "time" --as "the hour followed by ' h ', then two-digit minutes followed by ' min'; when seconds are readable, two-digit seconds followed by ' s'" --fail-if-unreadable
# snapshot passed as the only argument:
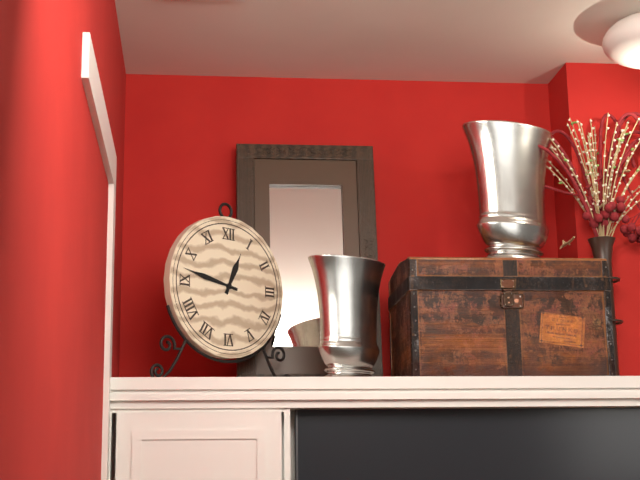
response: 12 h 47 min
